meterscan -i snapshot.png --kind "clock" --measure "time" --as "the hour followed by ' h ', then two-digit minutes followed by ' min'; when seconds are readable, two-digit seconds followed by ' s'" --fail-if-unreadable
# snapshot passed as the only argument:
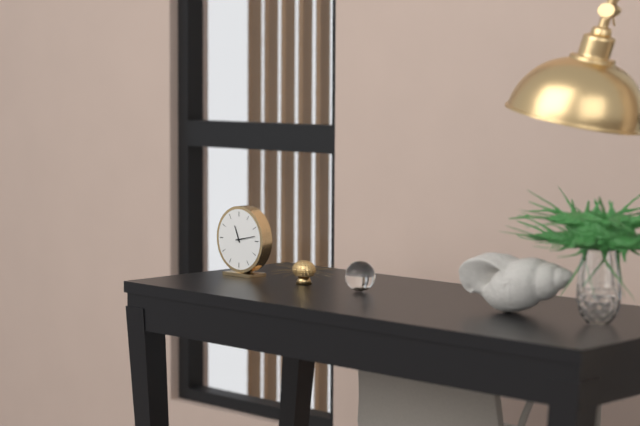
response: 11 h 13 min
